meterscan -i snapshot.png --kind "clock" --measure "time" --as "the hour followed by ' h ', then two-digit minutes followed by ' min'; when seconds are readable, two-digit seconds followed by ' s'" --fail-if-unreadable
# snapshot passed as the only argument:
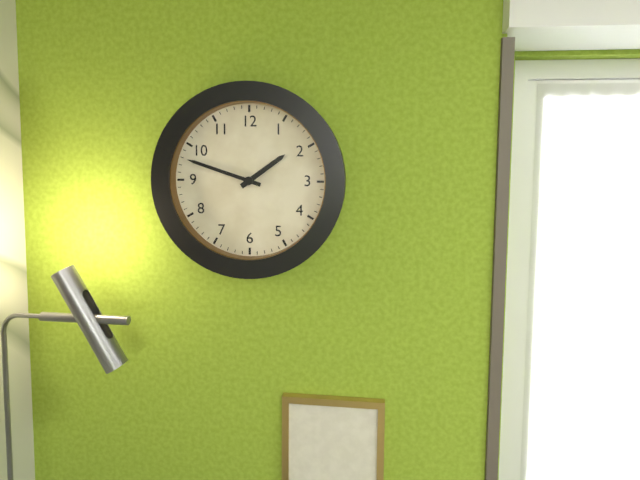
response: 1 h 48 min
